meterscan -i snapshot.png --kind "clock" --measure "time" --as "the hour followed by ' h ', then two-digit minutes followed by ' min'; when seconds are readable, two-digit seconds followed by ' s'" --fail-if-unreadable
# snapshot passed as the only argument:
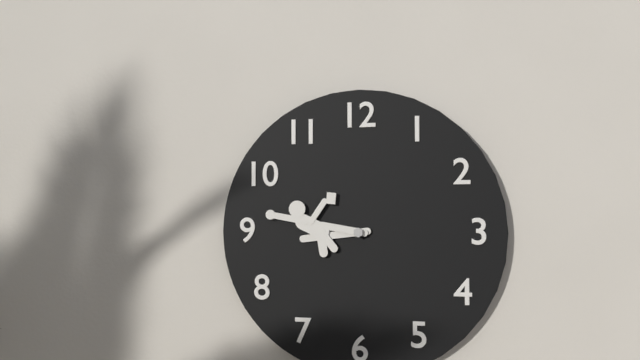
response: 8 h 46 min
